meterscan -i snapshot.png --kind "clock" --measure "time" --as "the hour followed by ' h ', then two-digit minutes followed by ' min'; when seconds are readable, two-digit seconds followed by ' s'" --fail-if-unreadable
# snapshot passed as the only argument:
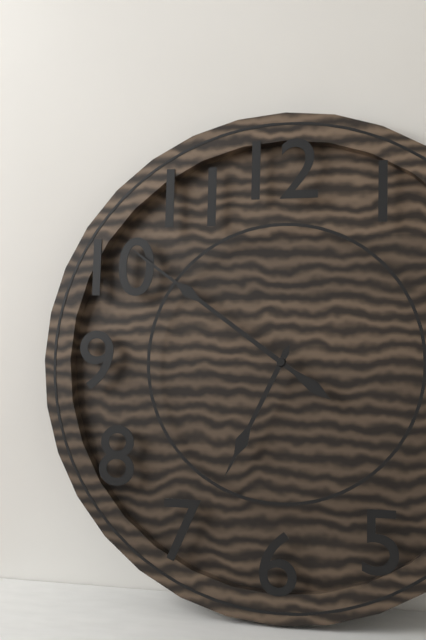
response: 6 h 51 min
